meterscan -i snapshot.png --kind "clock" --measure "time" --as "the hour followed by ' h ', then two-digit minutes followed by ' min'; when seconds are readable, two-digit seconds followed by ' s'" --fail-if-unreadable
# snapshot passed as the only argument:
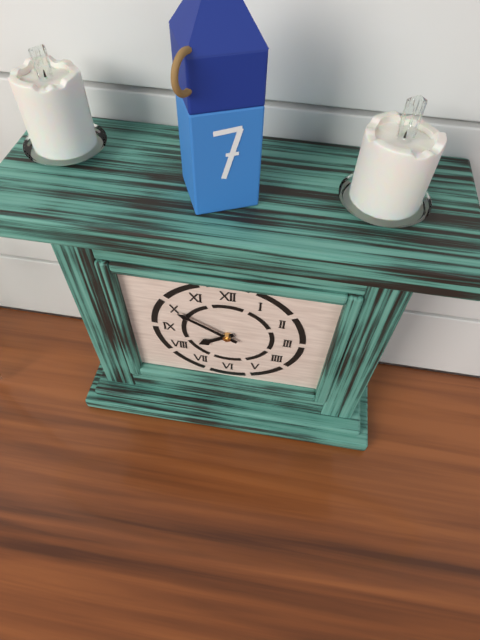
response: 7 h 50 min
